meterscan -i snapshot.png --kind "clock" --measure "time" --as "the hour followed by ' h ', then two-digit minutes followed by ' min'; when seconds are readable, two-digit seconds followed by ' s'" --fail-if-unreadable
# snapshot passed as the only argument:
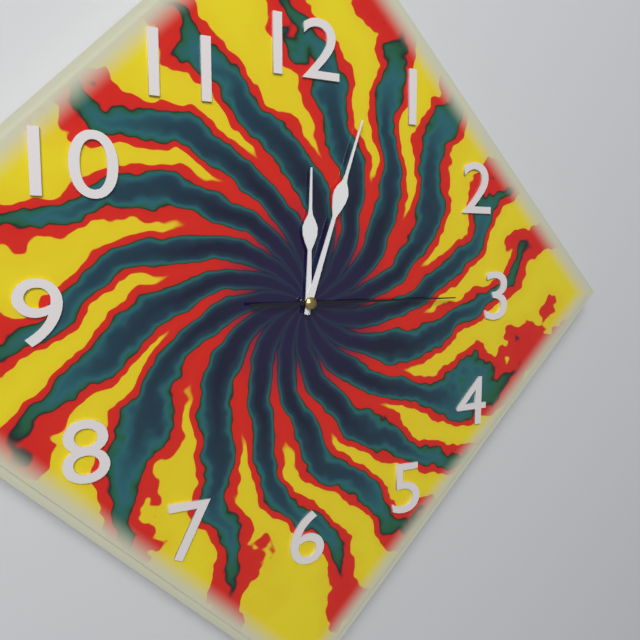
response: 12 h 03 min 15 s
